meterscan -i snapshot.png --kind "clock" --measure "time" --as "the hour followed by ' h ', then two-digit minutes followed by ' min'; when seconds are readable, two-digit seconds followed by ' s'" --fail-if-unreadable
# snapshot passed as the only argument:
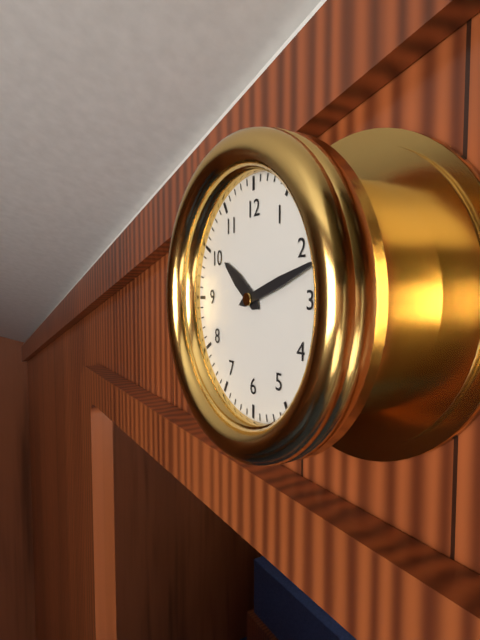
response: 10 h 12 min
